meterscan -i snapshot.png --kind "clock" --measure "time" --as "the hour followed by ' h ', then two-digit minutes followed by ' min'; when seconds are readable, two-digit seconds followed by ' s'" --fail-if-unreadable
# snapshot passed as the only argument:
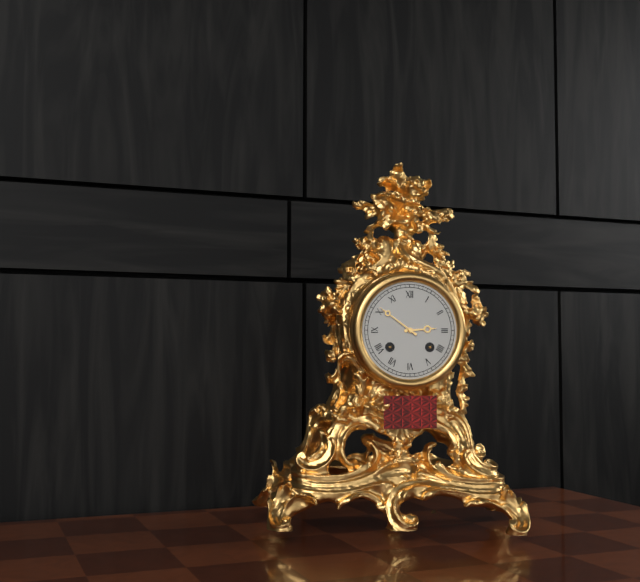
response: 2 h 51 min
